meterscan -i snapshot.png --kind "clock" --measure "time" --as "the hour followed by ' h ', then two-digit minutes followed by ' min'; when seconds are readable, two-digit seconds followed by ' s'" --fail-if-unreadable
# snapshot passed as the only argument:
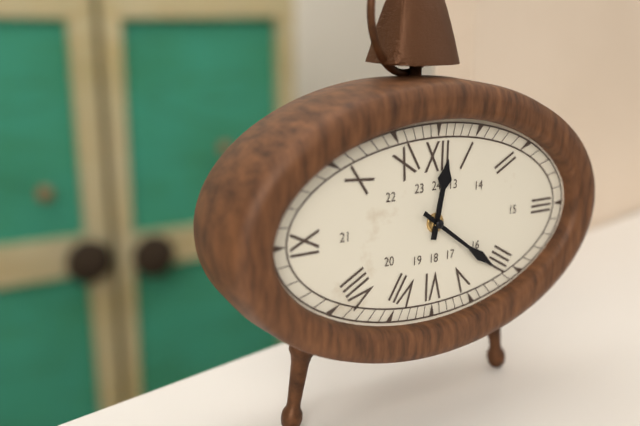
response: 12 h 21 min
